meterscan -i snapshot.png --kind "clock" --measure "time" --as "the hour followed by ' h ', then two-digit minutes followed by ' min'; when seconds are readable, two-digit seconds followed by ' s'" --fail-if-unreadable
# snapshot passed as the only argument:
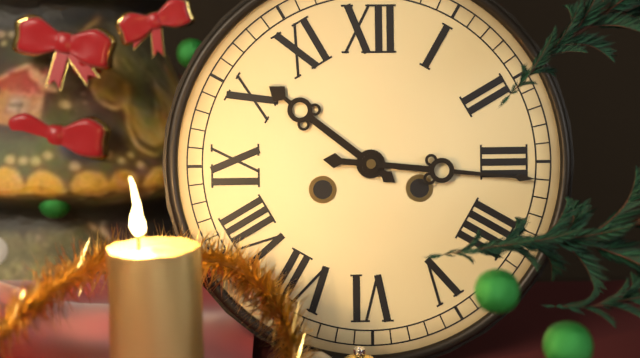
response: 10 h 16 min
